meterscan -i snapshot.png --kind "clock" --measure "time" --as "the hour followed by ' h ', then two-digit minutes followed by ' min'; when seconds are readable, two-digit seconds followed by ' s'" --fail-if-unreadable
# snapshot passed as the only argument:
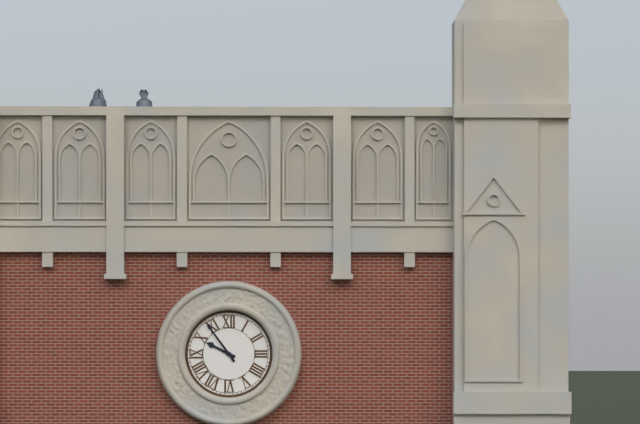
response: 9 h 54 min
